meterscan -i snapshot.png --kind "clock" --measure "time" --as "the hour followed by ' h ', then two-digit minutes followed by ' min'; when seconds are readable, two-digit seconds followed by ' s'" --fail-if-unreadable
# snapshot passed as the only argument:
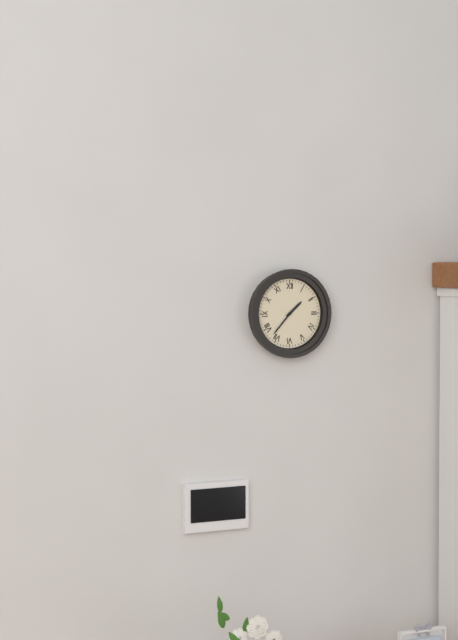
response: 1 h 37 min
